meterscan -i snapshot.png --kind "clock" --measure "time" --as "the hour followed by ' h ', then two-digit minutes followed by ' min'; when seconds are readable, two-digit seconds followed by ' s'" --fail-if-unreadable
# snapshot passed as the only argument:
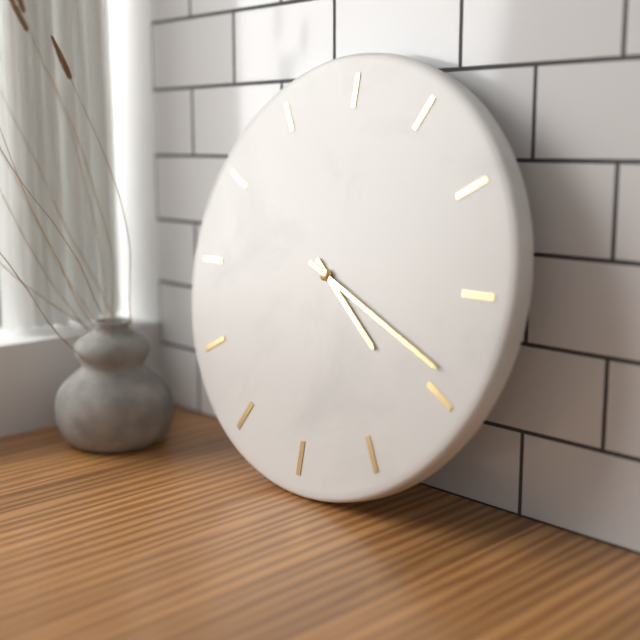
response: 4 h 19 min
